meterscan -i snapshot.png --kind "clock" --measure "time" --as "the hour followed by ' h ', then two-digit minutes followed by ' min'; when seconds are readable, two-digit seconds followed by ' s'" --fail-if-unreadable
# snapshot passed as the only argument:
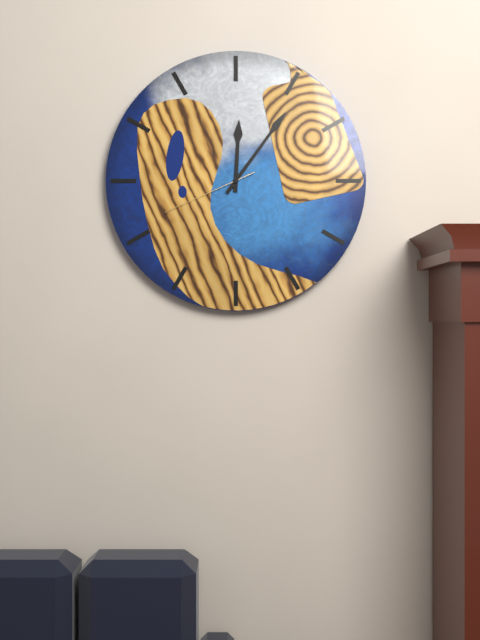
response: 12 h 06 min 41 s
